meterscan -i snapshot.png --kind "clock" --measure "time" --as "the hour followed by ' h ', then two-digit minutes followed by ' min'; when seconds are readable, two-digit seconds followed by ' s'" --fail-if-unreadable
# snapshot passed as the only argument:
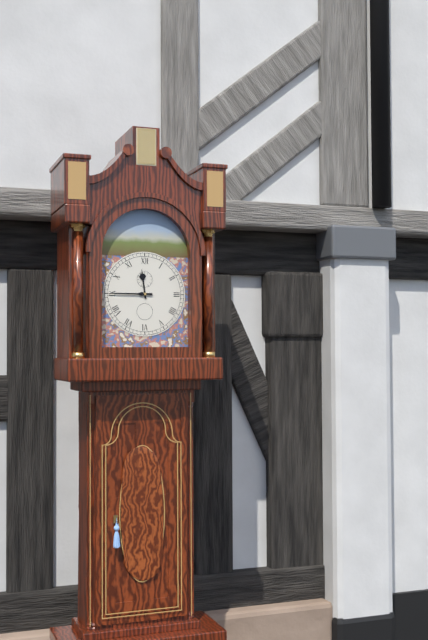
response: 11 h 45 min
